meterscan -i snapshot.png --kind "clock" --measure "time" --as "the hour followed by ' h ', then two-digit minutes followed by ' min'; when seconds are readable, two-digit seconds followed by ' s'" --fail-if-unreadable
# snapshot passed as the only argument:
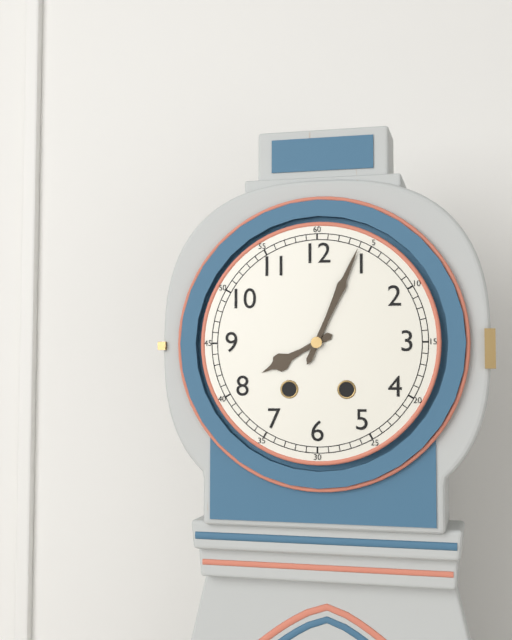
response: 8 h 04 min
